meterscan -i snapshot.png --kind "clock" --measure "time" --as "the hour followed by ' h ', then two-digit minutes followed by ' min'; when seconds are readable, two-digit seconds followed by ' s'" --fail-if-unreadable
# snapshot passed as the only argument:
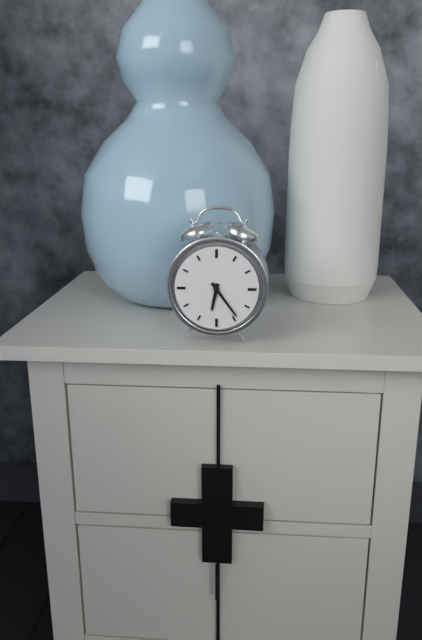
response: 6 h 24 min
